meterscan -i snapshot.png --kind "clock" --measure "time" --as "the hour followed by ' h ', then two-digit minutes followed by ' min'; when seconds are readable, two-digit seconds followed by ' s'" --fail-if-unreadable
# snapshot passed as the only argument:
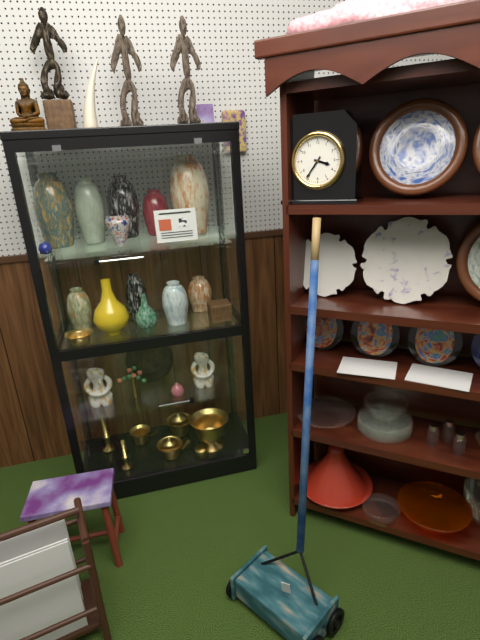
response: 3 h 36 min
